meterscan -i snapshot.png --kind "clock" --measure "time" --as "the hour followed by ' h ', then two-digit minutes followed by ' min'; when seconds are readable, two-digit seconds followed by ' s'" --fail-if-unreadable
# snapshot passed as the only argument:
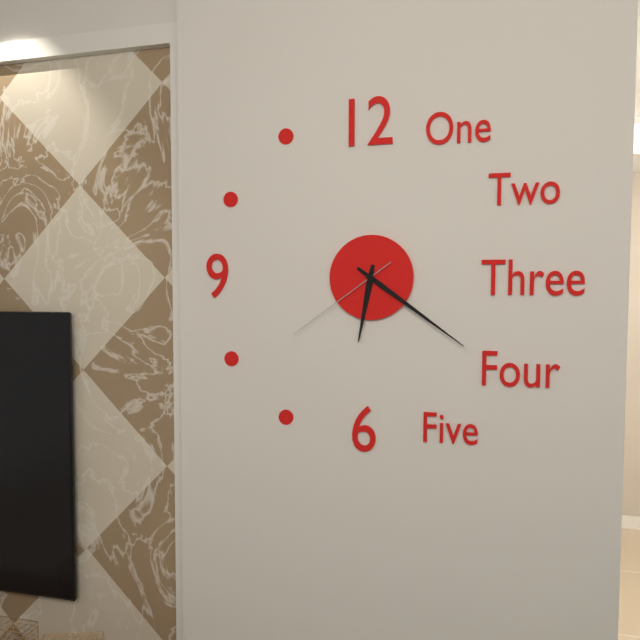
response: 6 h 21 min 39 s
